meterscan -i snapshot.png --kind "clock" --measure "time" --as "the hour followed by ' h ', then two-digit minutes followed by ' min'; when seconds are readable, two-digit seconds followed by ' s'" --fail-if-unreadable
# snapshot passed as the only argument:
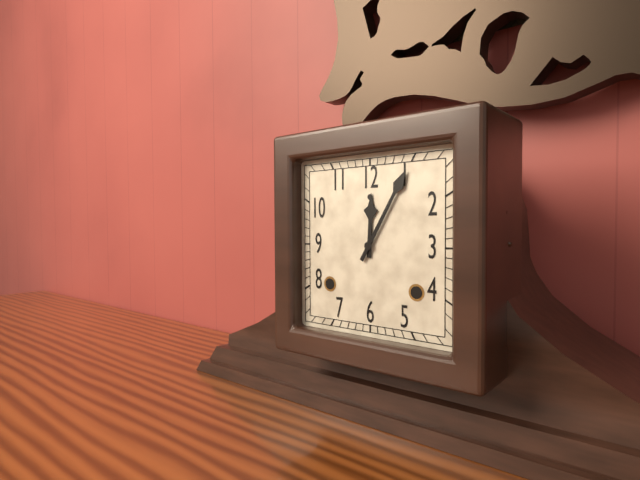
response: 12 h 05 min
